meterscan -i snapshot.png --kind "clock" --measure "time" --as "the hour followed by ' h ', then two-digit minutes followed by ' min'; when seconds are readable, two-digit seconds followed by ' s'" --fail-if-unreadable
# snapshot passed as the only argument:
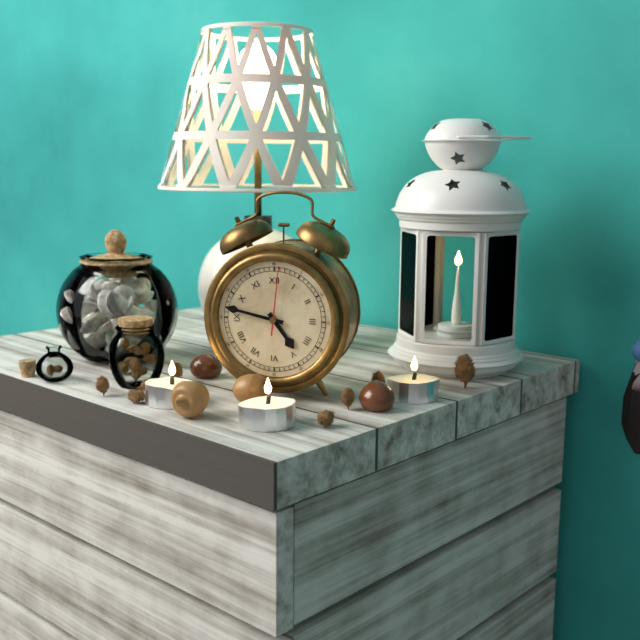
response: 4 h 47 min 01 s
